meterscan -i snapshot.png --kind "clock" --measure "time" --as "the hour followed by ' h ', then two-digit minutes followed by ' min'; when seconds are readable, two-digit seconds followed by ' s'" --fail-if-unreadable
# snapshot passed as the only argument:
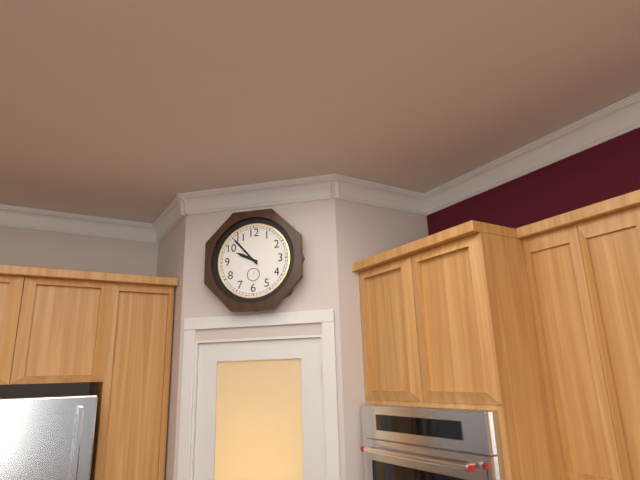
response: 9 h 53 min
